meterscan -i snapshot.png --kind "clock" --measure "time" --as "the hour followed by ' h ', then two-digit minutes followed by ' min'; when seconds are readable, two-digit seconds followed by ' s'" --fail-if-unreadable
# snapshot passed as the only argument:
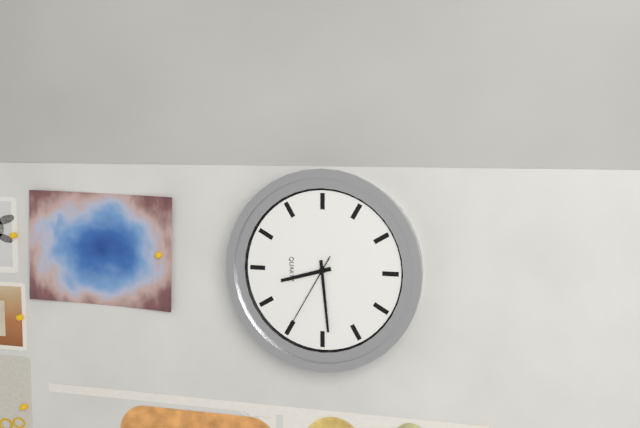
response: 8 h 29 min 35 s
